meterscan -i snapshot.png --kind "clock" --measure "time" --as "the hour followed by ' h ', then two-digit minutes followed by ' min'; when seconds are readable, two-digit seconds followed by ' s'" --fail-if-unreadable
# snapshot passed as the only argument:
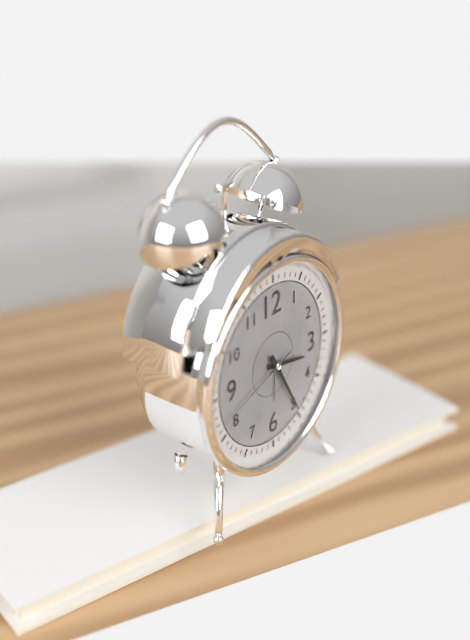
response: 3 h 25 min 42 s
